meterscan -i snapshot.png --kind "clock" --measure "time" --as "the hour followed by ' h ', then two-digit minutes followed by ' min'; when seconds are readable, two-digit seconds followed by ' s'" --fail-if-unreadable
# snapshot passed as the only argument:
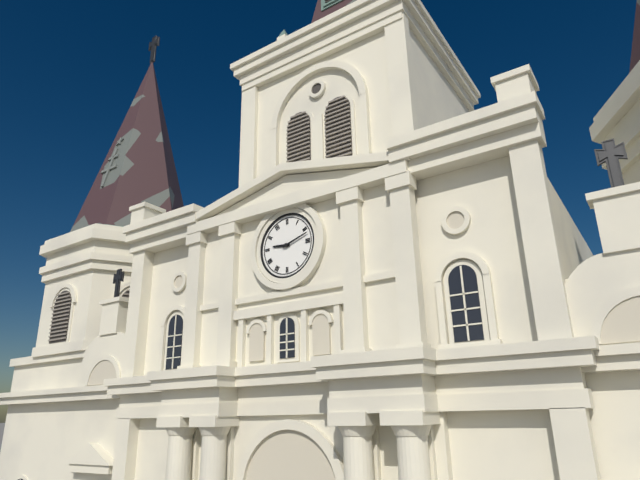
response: 9 h 12 min
